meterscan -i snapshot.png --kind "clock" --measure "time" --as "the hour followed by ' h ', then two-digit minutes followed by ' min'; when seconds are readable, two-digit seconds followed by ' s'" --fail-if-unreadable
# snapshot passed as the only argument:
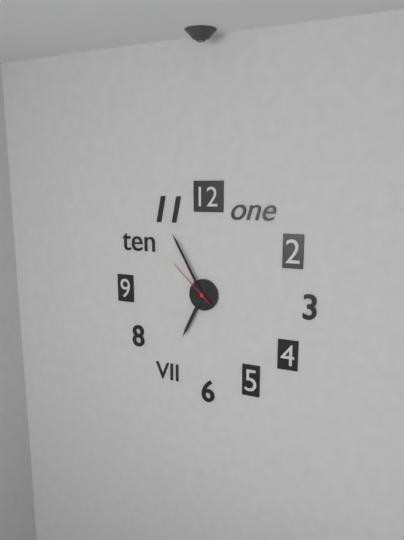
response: 6 h 55 min 52 s
